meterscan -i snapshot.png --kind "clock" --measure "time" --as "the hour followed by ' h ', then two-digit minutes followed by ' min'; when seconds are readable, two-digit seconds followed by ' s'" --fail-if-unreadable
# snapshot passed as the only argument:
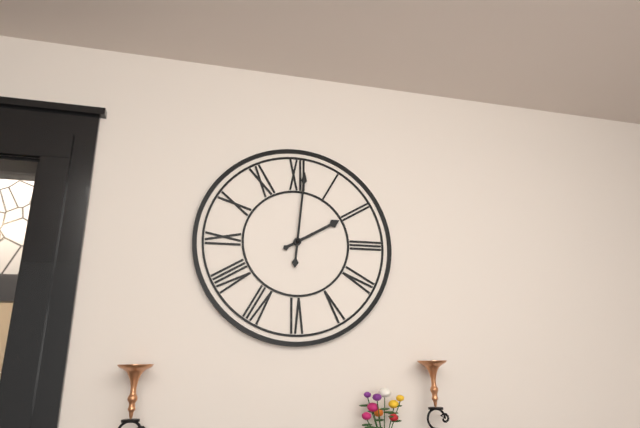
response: 2 h 01 min
